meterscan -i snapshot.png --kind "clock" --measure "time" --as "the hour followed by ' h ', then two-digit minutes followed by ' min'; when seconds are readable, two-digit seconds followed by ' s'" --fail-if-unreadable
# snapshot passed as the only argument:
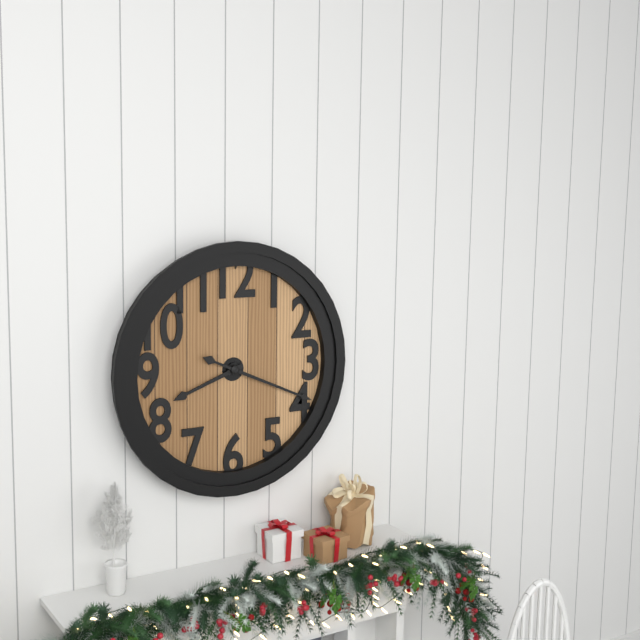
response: 8 h 19 min
